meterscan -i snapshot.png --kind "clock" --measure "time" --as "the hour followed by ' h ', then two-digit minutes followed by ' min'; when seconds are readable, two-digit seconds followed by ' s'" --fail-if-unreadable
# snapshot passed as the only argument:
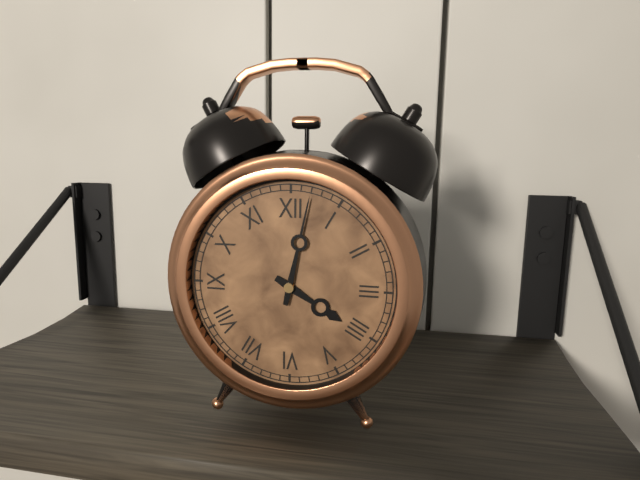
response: 4 h 02 min
